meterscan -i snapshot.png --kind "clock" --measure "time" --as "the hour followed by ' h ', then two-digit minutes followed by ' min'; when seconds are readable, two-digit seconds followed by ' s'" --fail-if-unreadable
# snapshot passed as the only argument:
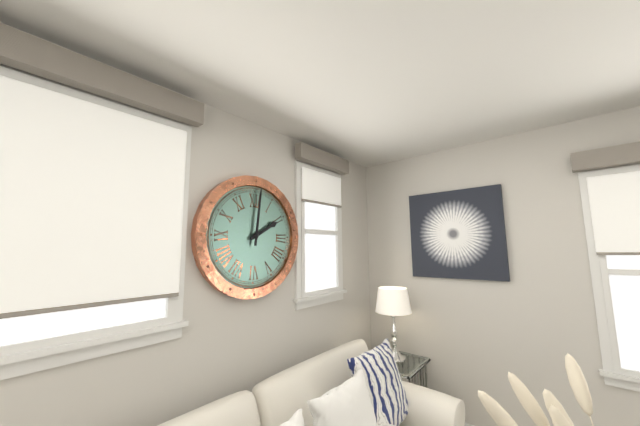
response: 2 h 01 min
